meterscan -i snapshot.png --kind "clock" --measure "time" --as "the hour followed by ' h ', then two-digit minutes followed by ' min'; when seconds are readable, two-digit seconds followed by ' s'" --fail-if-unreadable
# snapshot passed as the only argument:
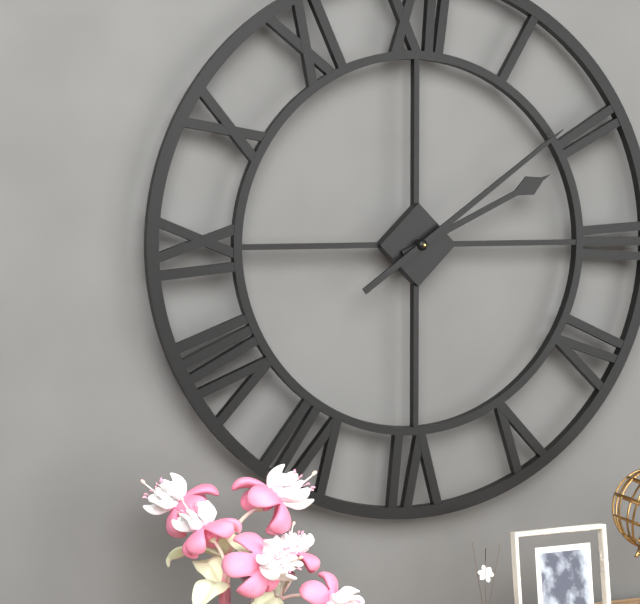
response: 2 h 09 min
